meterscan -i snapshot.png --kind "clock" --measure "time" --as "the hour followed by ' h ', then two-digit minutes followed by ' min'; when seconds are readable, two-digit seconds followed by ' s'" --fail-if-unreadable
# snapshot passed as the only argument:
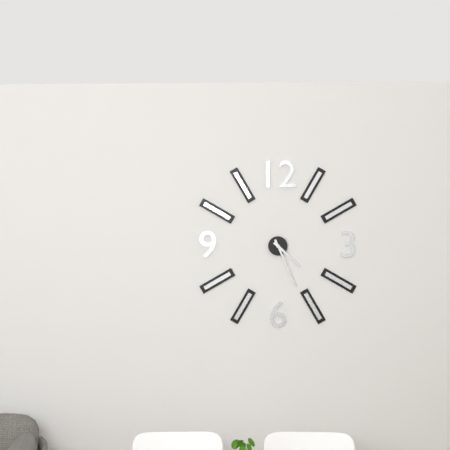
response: 4 h 26 min
